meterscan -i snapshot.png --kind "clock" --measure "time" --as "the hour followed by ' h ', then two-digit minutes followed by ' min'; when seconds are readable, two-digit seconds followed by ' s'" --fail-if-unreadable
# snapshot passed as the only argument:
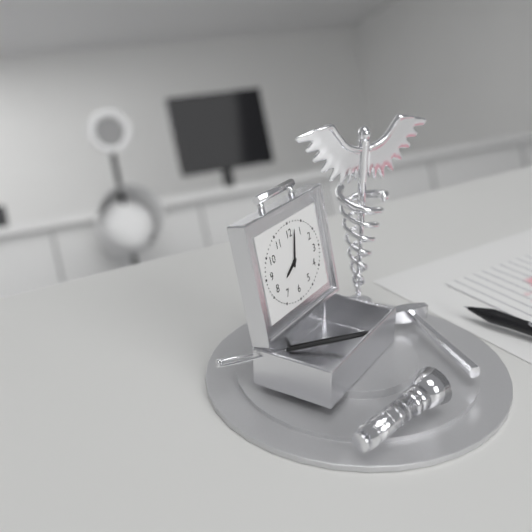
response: 8 h 03 min
